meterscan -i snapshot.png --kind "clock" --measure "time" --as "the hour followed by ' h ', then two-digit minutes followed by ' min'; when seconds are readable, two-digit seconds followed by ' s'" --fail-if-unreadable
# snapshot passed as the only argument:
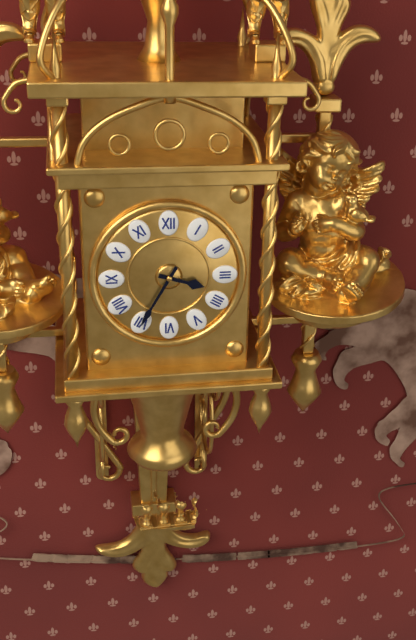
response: 3 h 35 min
